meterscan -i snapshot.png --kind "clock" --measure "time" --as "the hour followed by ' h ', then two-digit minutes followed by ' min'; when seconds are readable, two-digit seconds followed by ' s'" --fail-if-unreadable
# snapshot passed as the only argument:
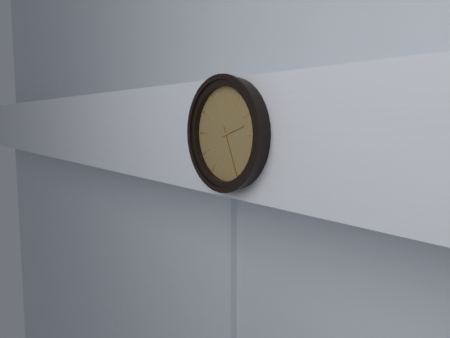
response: 2 h 26 min
